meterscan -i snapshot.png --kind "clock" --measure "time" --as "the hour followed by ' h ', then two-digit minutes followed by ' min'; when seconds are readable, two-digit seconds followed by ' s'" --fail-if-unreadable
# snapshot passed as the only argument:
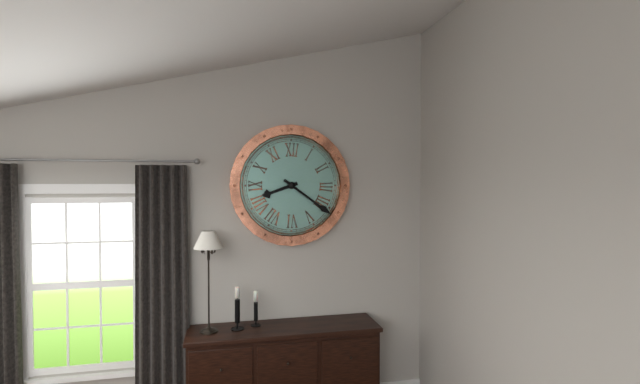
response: 8 h 21 min
